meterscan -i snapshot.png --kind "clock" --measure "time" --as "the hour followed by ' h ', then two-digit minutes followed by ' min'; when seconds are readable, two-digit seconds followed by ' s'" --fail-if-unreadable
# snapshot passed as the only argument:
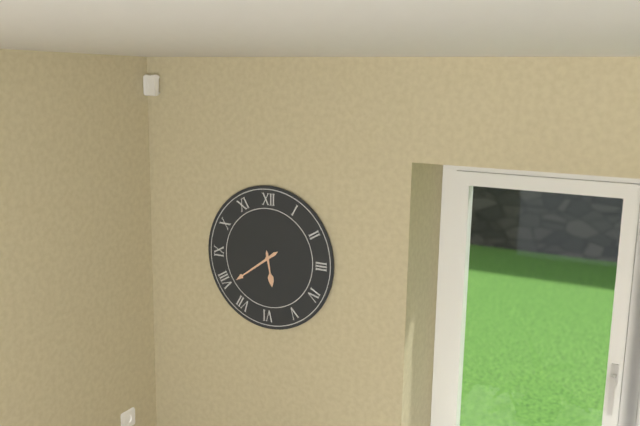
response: 5 h 39 min
